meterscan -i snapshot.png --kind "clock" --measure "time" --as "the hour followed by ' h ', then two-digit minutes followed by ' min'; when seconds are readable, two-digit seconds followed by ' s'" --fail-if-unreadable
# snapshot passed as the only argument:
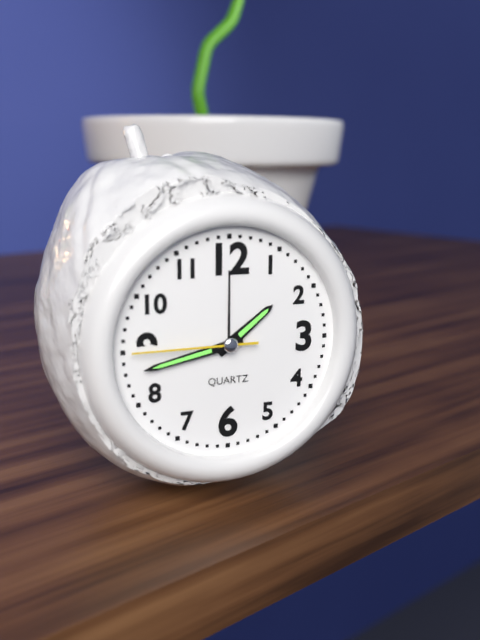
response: 1 h 43 min 45 s
